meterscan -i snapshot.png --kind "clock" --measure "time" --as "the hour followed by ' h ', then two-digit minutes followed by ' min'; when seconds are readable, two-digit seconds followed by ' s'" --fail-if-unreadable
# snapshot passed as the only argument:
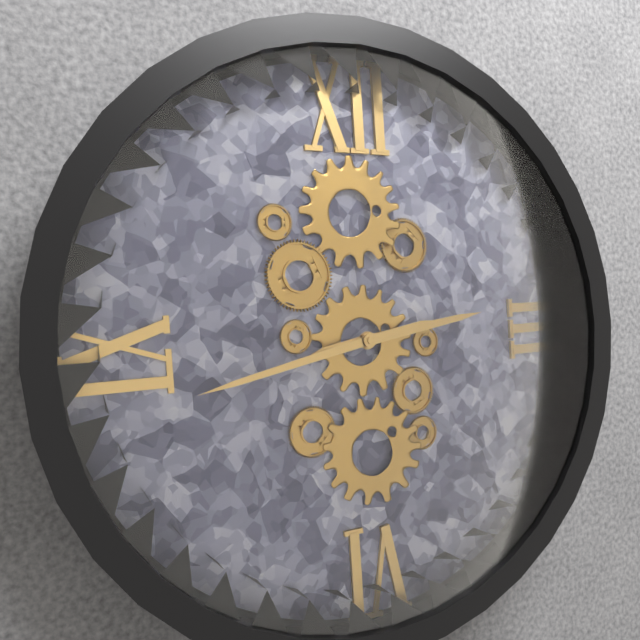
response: 2 h 43 min
